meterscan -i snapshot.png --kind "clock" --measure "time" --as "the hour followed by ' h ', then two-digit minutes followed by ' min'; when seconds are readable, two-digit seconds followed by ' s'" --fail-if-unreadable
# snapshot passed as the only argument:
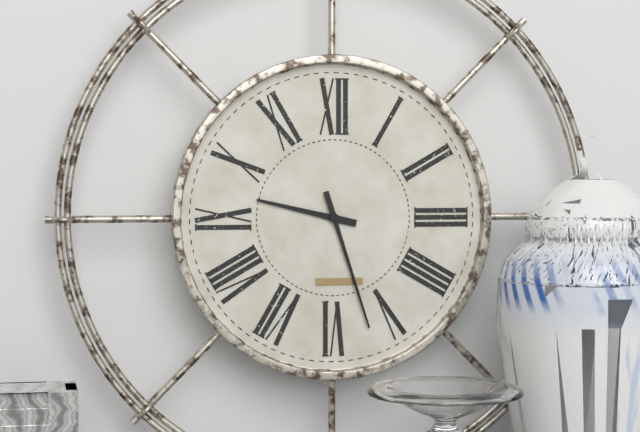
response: 9 h 27 min
